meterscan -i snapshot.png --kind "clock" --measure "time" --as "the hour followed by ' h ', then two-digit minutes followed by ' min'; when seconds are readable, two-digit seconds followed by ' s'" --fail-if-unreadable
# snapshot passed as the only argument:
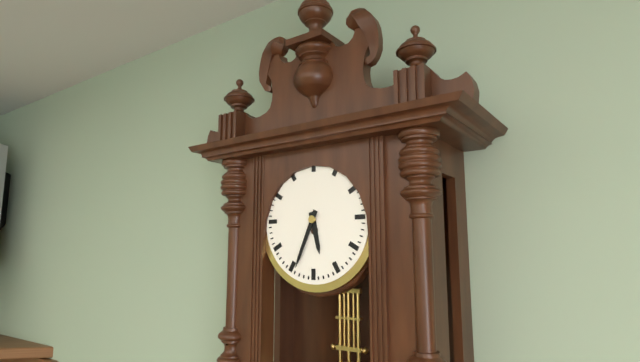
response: 5 h 34 min
